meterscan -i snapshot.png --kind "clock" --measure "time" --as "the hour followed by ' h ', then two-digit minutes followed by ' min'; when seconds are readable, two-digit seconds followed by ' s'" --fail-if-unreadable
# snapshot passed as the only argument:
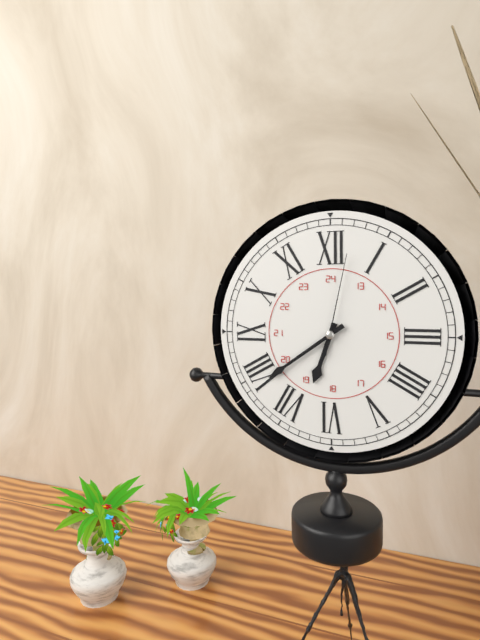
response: 6 h 39 min 02 s
